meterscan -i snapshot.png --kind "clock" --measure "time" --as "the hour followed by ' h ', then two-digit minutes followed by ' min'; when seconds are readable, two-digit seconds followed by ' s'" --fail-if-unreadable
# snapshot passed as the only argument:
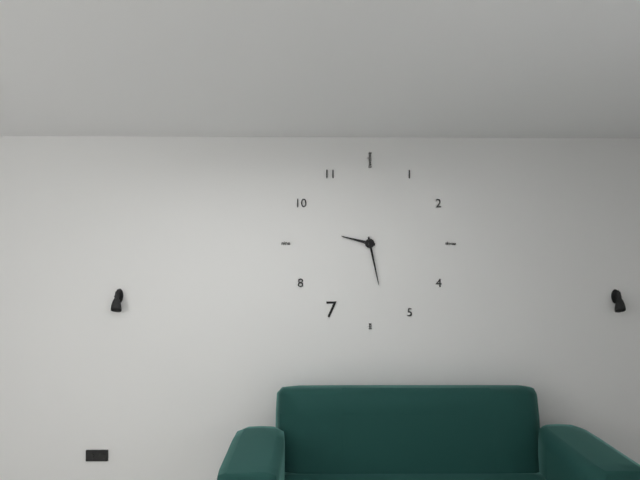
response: 9 h 28 min
